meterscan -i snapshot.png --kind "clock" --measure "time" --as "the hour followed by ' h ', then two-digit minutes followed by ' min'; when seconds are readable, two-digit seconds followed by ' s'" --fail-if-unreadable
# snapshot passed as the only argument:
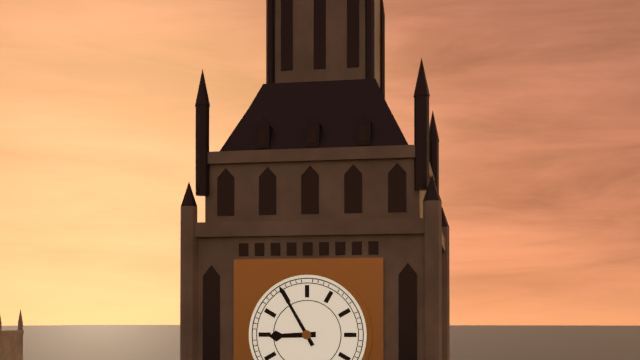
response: 8 h 55 min
